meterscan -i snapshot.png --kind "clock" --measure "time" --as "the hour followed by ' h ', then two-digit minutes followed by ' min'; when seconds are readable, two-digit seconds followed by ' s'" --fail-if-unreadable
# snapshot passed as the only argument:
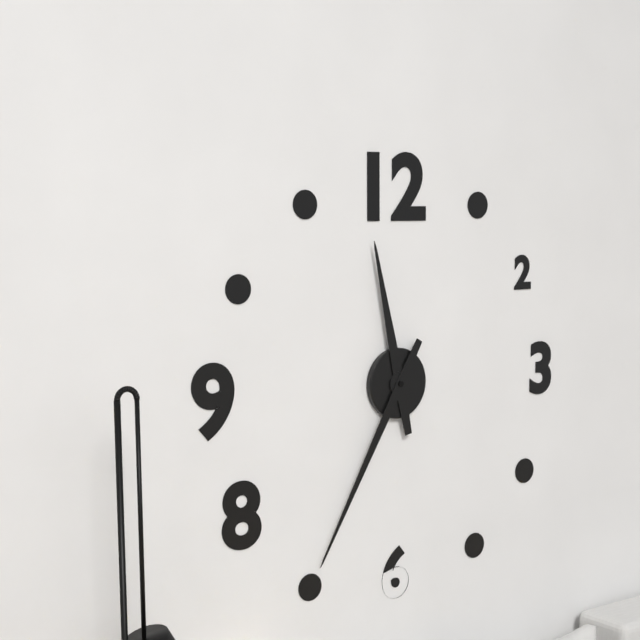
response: 11 h 35 min
